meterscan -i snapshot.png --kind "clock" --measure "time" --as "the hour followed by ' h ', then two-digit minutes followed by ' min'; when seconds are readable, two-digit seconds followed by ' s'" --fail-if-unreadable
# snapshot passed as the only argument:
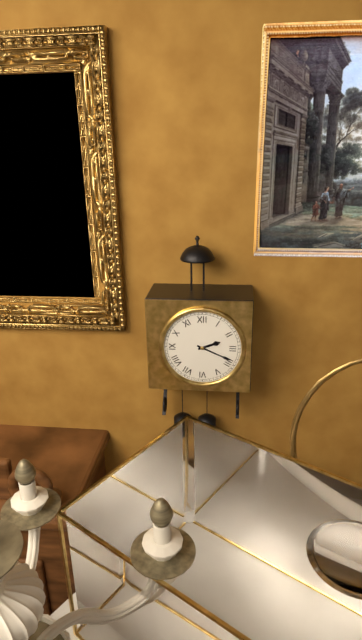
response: 2 h 19 min
